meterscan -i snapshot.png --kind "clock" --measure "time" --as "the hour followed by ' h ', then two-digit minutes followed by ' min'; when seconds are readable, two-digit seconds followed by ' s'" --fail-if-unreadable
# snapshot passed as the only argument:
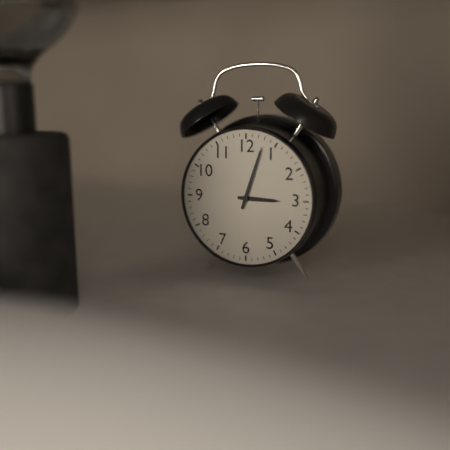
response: 3 h 03 min
